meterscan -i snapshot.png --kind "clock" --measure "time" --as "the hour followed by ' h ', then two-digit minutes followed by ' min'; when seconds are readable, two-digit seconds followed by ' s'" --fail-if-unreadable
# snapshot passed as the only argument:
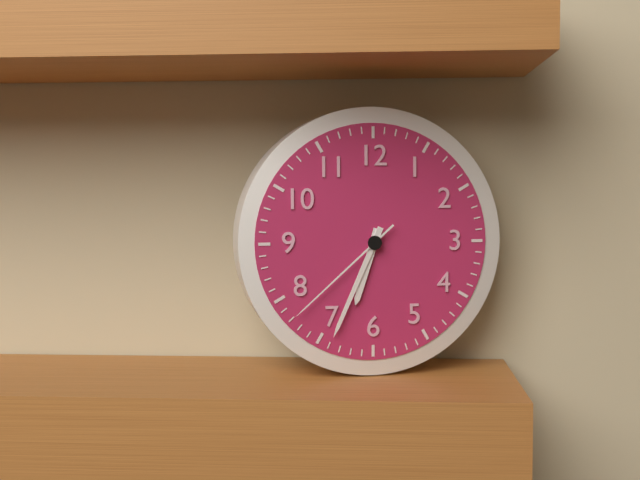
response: 6 h 34 min 38 s
